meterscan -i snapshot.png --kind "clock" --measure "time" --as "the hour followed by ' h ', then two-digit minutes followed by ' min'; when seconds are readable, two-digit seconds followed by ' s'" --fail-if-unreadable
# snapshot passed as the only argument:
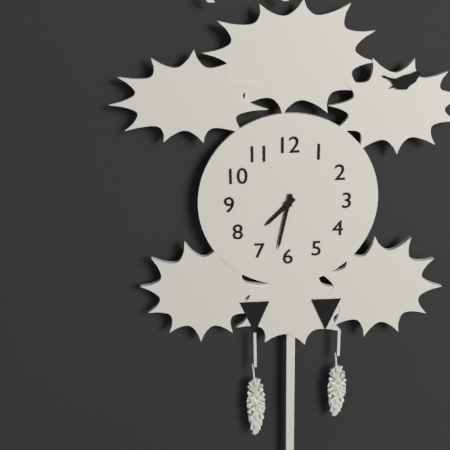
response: 7 h 32 min
